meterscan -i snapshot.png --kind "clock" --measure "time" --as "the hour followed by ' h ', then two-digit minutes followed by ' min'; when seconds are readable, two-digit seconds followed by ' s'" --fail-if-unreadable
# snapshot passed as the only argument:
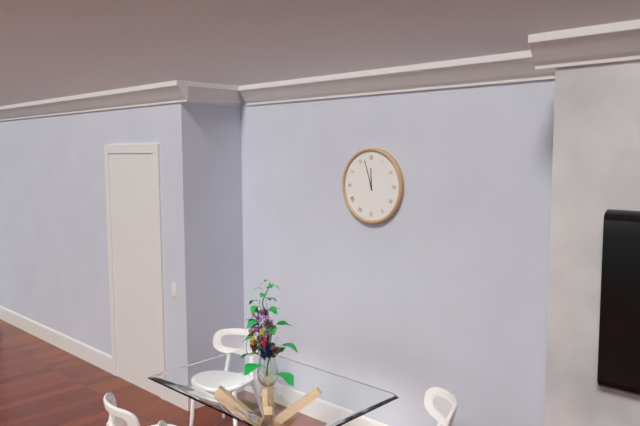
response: 11 h 57 min
